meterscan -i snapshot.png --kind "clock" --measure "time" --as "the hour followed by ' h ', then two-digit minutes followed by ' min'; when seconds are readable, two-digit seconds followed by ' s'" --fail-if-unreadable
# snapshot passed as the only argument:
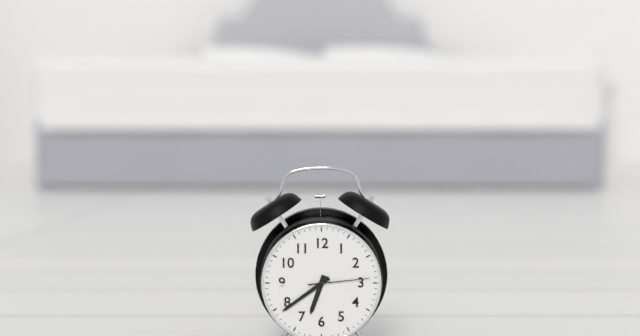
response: 6 h 39 min 14 s
